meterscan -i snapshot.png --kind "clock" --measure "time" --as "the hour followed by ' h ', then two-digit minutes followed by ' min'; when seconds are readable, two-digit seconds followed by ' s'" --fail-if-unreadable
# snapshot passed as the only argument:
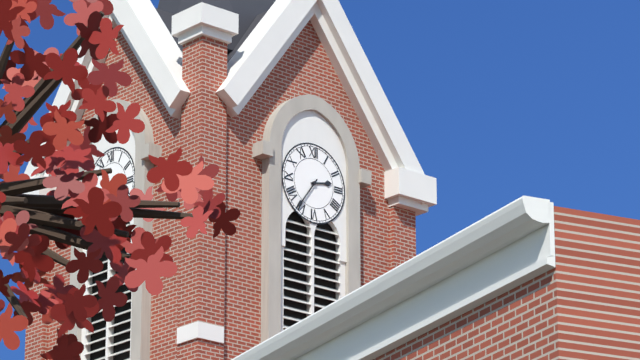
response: 2 h 36 min
